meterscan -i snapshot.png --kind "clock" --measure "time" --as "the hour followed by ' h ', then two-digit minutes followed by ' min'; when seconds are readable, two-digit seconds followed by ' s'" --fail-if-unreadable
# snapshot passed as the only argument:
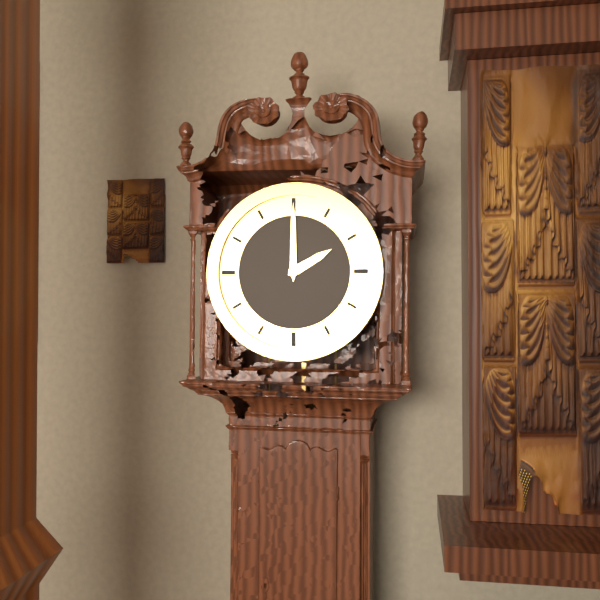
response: 2 h 00 min
